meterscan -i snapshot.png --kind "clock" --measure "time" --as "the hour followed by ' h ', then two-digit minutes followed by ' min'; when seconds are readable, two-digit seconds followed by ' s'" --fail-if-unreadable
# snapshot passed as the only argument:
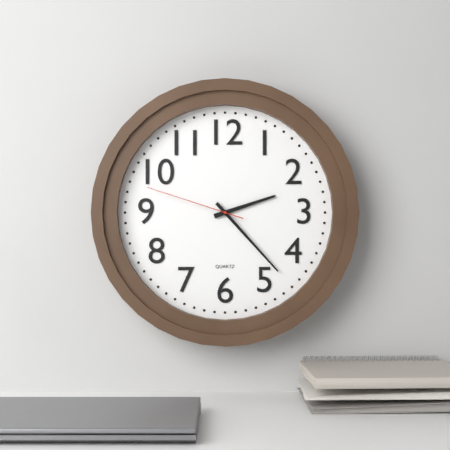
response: 2 h 23 min 48 s
